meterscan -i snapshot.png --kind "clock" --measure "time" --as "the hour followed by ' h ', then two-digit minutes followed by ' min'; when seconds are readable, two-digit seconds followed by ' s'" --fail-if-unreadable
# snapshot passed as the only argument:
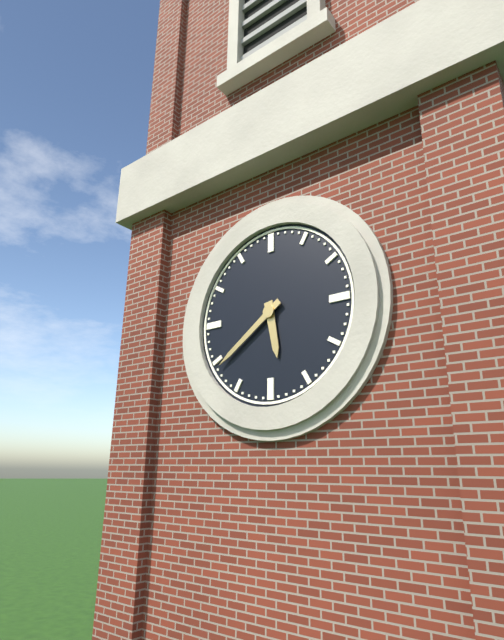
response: 5 h 39 min
